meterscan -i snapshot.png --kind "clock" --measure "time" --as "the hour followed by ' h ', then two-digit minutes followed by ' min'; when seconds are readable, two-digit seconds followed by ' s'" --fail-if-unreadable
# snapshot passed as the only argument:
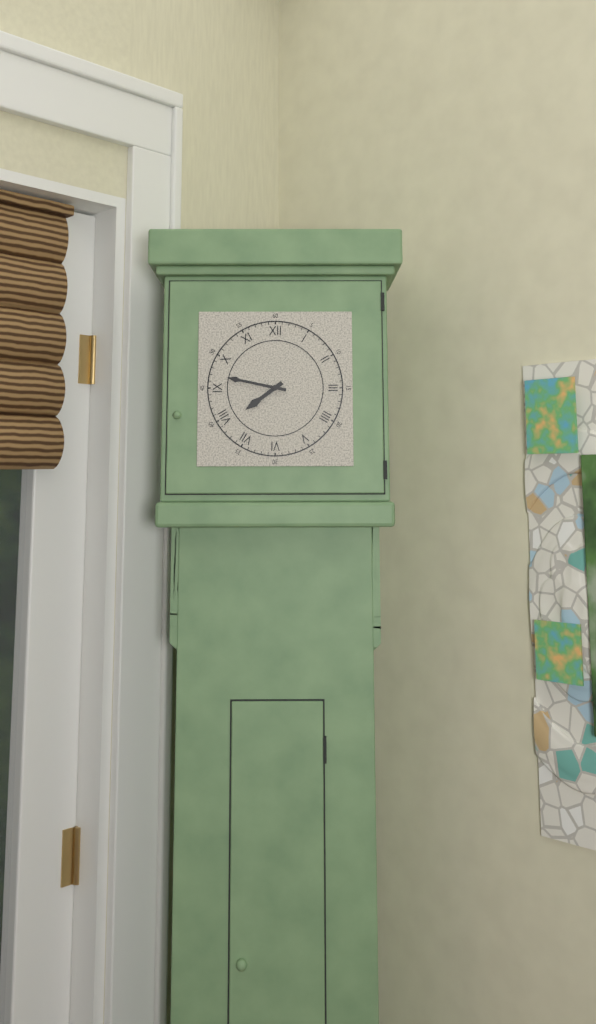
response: 7 h 47 min
